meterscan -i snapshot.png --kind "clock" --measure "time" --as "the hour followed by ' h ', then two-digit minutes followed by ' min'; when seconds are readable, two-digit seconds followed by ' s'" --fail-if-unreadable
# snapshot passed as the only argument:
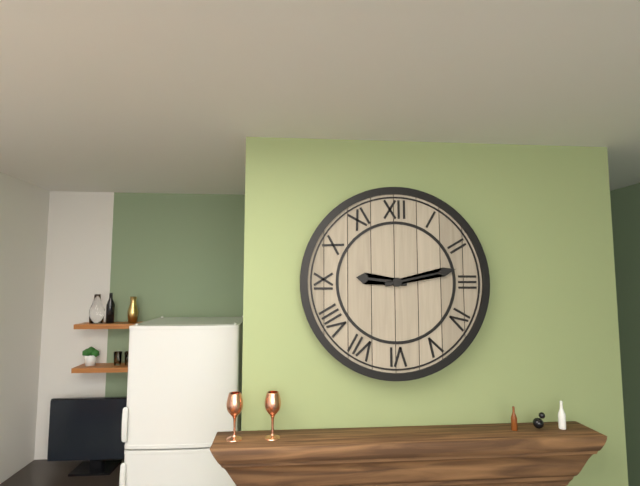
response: 9 h 13 min
